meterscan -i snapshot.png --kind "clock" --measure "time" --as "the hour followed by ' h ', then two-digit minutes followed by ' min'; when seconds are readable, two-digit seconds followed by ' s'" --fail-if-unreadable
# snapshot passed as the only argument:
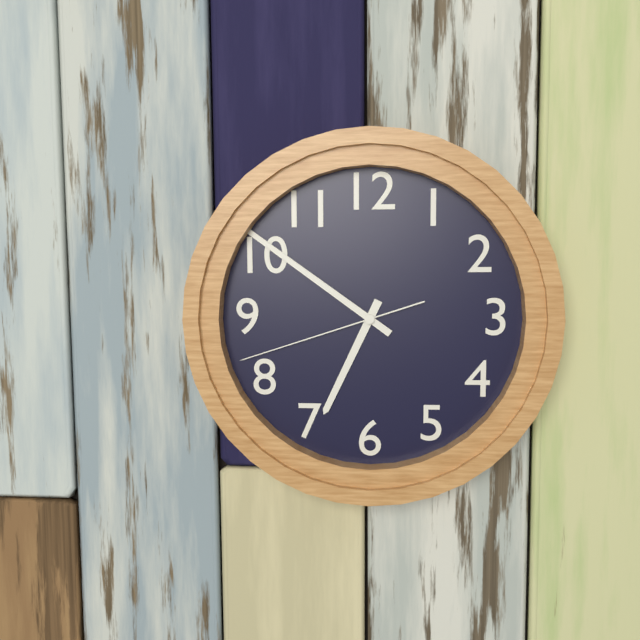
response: 6 h 51 min 42 s
